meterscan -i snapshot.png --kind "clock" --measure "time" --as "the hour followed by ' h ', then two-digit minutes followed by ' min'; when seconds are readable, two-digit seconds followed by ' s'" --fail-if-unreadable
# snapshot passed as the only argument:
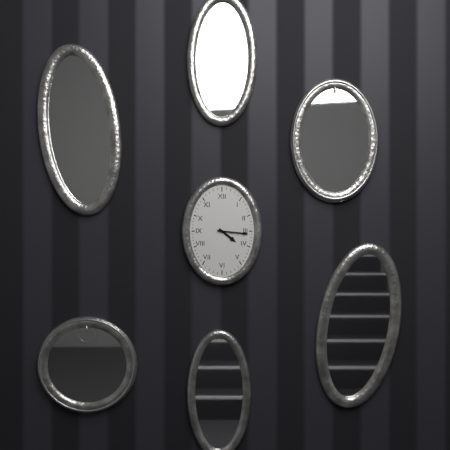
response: 4 h 16 min
